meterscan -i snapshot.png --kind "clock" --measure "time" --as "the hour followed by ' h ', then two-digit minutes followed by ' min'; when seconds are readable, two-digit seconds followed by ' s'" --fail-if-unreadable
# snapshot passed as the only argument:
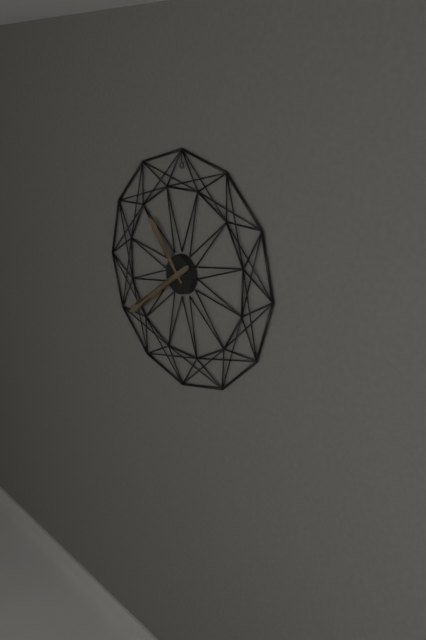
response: 10 h 39 min
